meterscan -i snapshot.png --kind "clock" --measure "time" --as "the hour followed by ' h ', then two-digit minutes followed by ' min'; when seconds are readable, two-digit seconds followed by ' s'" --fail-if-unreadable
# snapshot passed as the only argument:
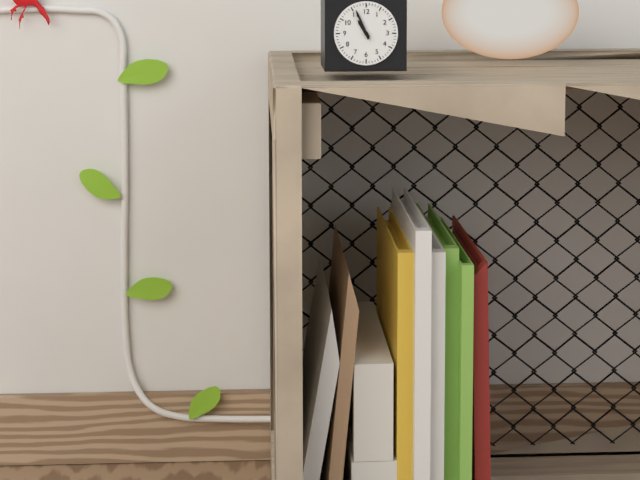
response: 10 h 56 min
